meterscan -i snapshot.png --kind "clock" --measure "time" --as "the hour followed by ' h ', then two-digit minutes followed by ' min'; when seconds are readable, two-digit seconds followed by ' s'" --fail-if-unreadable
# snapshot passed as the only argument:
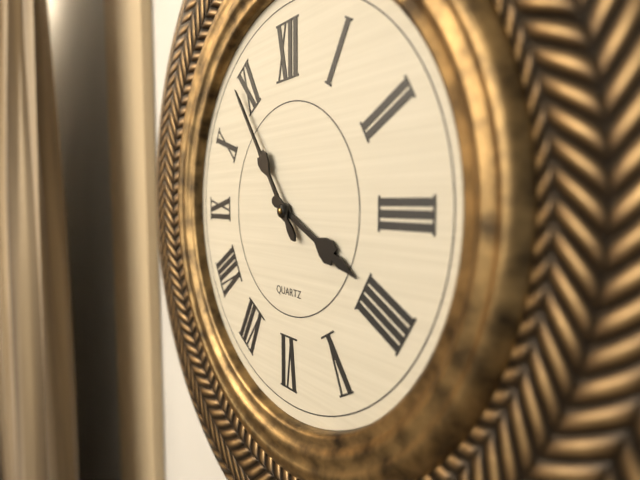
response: 3 h 54 min
